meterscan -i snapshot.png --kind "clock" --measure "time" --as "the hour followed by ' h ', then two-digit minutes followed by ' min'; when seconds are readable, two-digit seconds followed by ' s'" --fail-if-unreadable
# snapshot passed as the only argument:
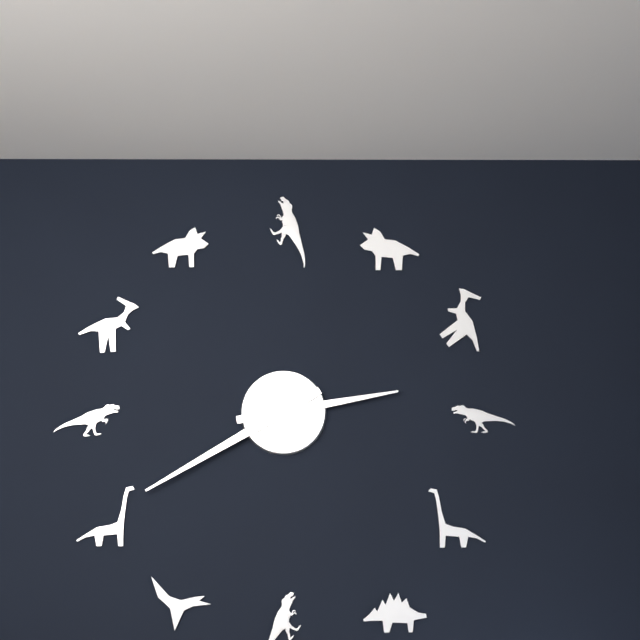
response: 2 h 40 min
